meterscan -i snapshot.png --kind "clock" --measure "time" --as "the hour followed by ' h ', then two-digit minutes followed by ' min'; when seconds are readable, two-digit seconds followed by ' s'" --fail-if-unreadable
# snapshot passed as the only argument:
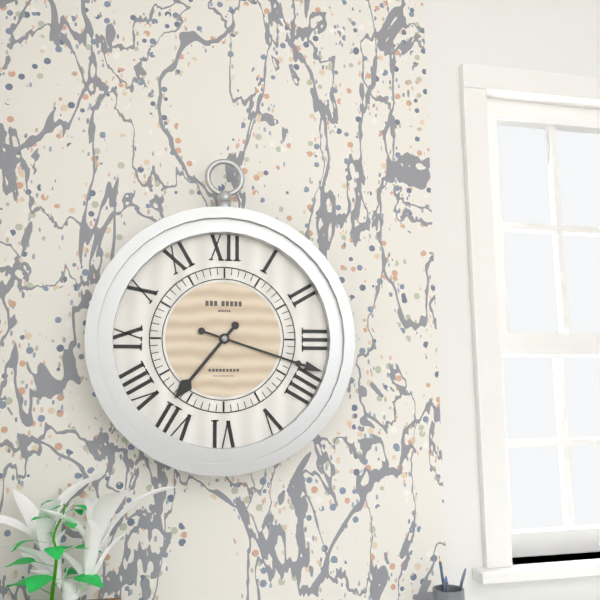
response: 7 h 18 min
